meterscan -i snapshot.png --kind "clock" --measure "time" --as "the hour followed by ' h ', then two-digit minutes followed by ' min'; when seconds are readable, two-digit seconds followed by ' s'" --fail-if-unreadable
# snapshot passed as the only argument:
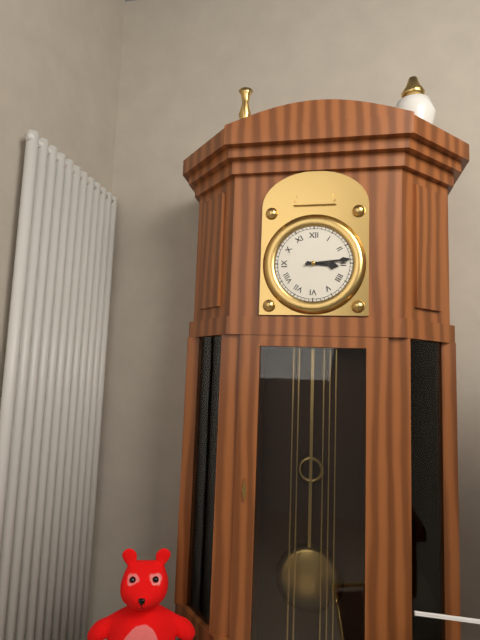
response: 3 h 14 min
